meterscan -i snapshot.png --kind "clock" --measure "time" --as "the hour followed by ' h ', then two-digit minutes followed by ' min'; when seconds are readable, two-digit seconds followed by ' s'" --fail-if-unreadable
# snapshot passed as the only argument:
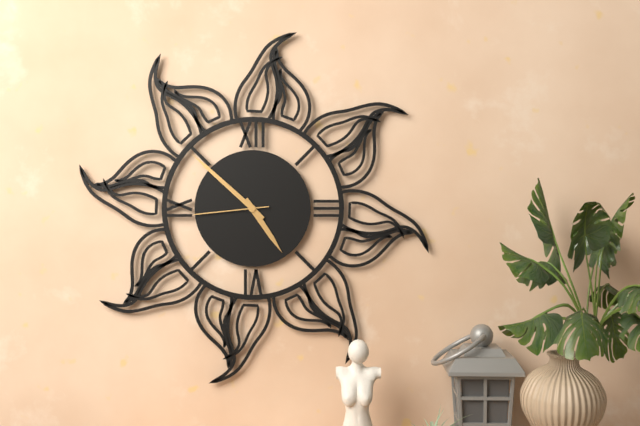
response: 4 h 52 min 44 s
